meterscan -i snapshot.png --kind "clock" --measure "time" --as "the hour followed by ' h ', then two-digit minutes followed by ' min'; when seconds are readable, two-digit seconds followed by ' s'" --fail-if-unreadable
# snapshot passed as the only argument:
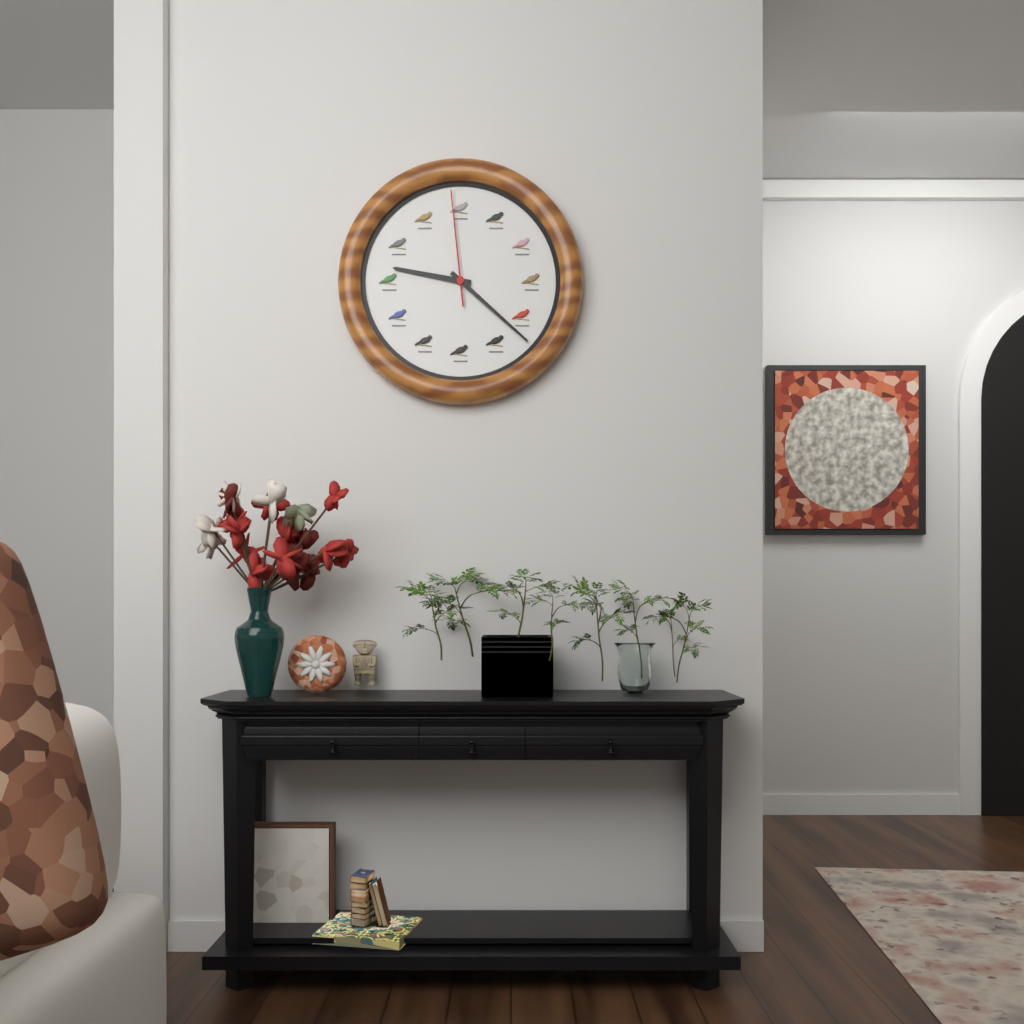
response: 9 h 22 min 59 s
